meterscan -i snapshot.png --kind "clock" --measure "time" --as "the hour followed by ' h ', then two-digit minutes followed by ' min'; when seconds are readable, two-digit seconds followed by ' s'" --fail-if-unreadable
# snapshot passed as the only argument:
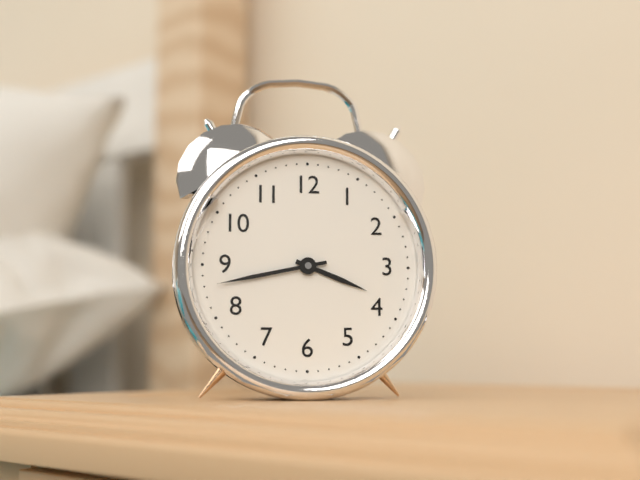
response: 3 h 43 min
